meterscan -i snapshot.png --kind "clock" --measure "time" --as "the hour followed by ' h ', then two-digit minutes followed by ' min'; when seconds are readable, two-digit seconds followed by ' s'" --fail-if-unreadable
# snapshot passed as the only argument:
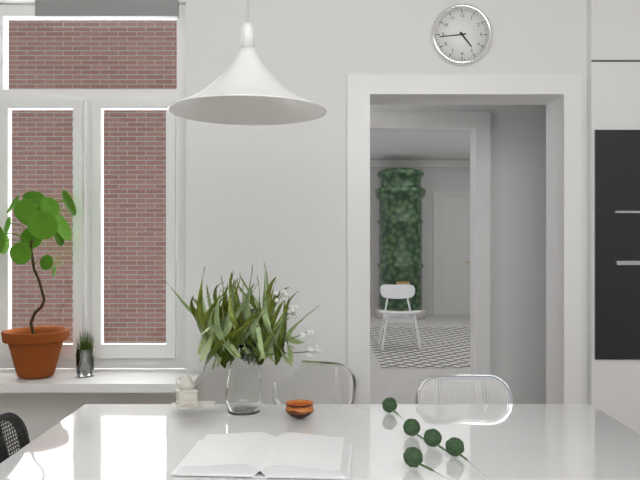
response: 4 h 44 min
